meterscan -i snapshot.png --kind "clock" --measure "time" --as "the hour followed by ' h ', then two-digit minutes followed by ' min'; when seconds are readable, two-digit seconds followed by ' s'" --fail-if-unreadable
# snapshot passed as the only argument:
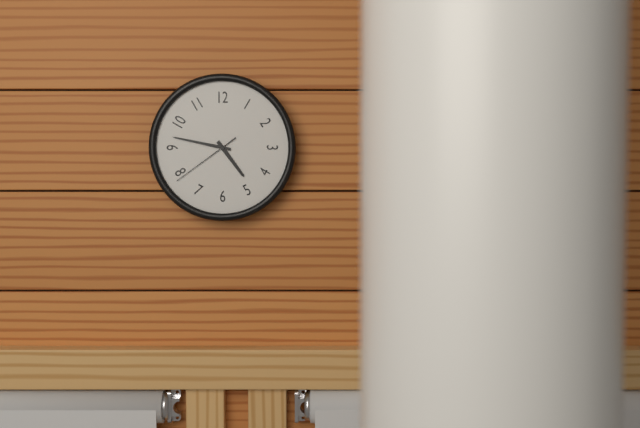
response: 4 h 47 min 39 s
